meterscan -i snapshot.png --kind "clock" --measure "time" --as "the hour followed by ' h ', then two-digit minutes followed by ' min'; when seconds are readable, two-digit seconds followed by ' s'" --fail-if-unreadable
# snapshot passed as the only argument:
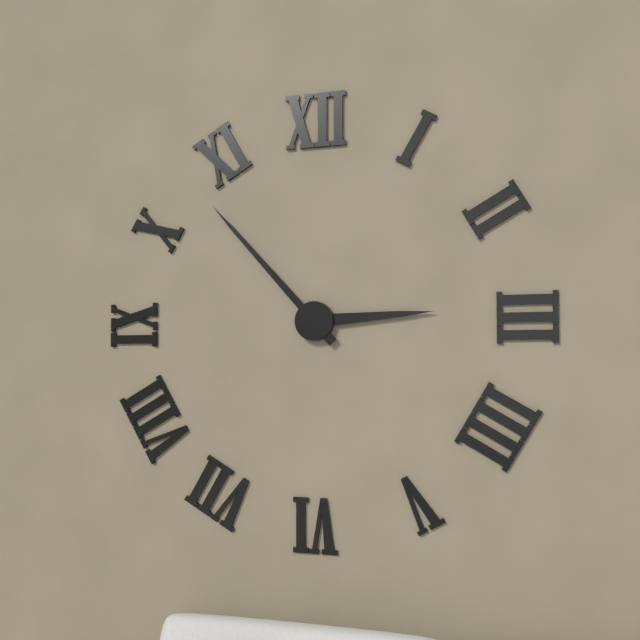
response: 2 h 53 min
